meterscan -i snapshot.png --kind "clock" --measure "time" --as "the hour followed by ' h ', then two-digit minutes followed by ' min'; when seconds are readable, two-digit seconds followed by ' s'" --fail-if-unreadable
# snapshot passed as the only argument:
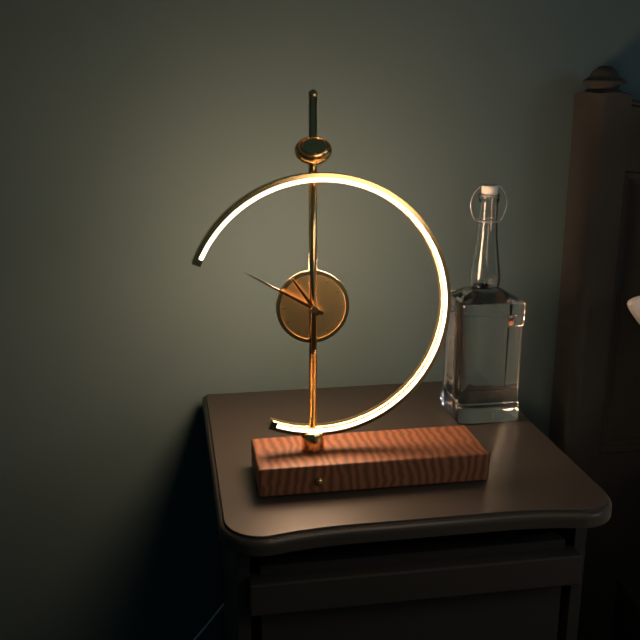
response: 10 h 50 min
